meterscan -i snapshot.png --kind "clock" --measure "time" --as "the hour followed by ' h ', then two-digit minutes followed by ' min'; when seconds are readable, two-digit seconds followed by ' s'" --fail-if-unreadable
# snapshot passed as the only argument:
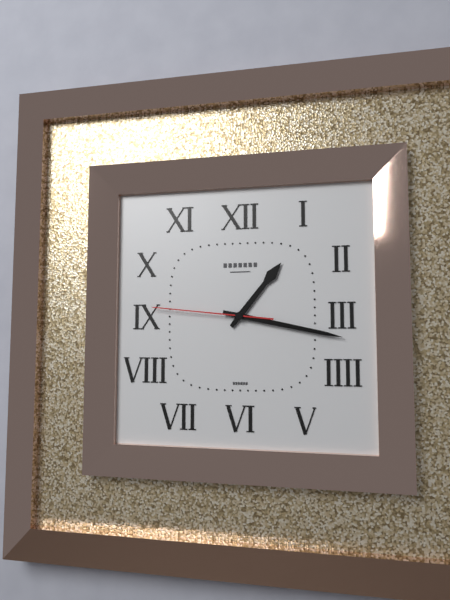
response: 1 h 17 min 46 s
